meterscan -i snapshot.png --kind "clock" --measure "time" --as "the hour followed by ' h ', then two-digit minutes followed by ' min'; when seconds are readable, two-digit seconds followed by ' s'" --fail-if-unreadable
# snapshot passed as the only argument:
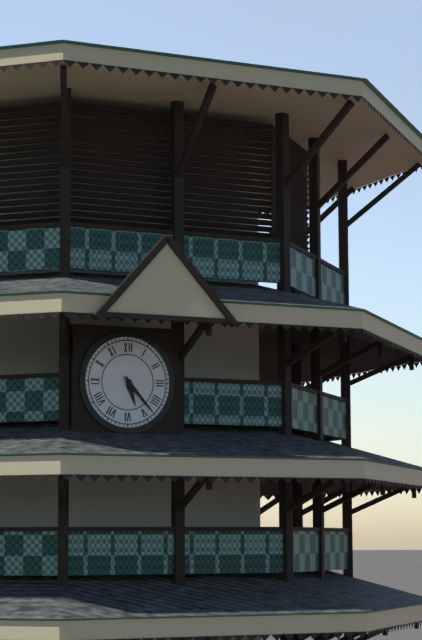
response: 5 h 23 min
